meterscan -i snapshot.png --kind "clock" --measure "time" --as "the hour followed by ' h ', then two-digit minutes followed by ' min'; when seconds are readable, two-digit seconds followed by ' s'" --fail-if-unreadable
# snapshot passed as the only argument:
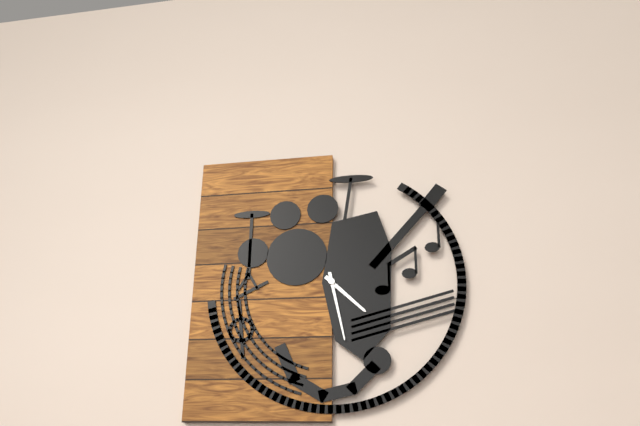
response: 4 h 28 min
